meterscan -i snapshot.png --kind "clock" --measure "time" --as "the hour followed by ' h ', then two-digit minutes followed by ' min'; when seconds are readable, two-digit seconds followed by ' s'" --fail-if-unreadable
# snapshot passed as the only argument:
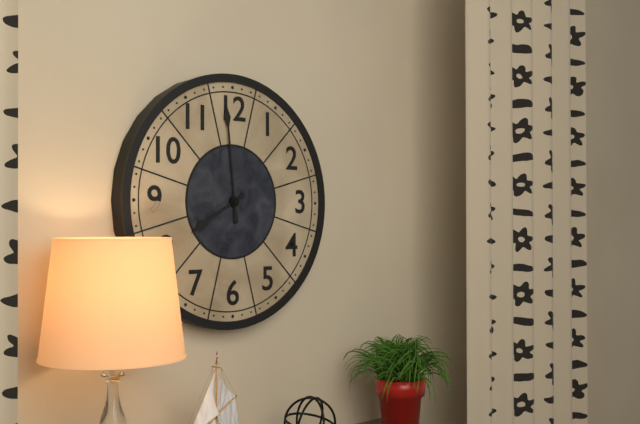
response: 7 h 59 min
